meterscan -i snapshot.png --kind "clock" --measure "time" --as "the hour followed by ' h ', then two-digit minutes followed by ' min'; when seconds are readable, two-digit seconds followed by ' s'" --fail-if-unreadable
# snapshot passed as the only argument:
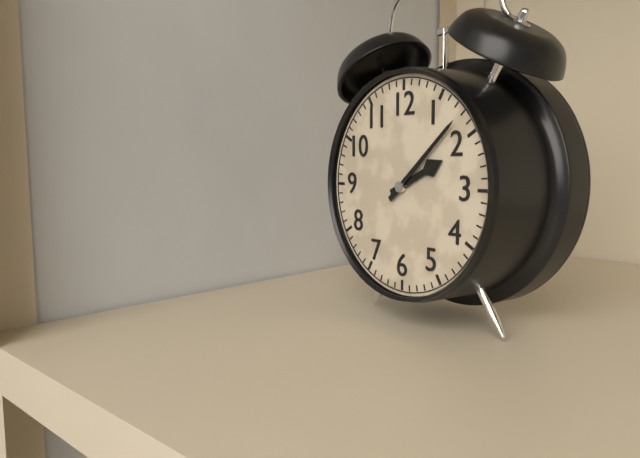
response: 2 h 08 min
